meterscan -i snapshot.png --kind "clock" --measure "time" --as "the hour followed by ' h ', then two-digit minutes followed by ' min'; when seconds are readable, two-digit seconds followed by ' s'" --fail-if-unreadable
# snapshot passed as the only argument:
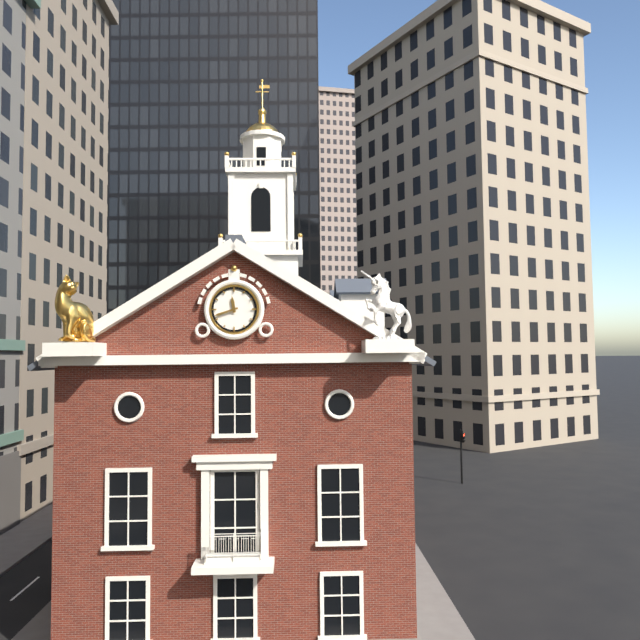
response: 11 h 42 min
